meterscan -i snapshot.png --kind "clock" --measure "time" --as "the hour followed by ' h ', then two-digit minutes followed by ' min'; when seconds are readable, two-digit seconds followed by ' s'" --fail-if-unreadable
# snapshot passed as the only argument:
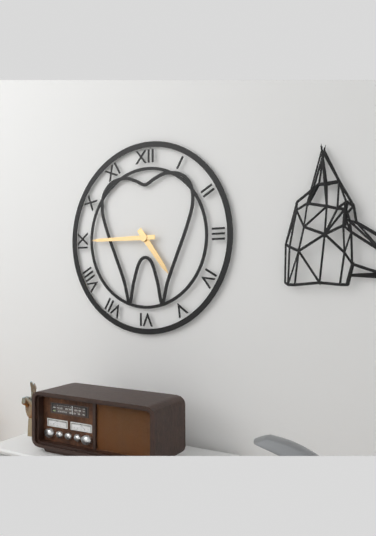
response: 4 h 45 min
